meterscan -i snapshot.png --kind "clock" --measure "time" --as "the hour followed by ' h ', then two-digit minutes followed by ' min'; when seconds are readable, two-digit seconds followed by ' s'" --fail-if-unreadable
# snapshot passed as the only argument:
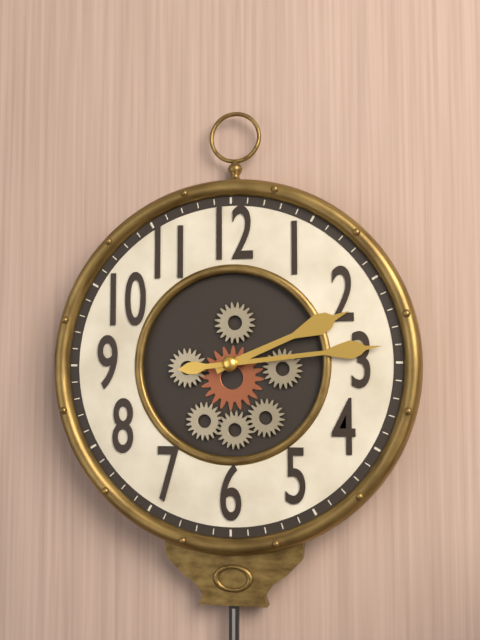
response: 2 h 14 min
